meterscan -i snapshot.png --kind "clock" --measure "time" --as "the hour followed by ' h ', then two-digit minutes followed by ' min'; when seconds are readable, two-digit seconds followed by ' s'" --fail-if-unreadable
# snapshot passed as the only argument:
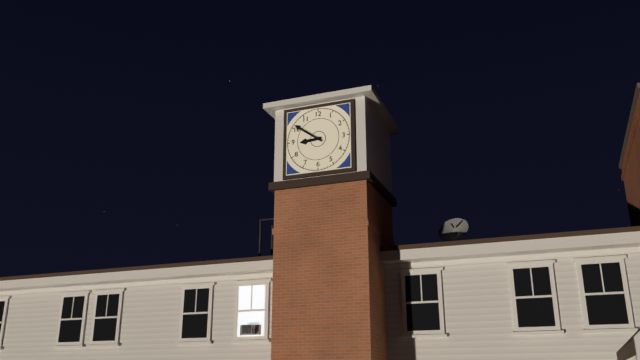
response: 8 h 51 min
